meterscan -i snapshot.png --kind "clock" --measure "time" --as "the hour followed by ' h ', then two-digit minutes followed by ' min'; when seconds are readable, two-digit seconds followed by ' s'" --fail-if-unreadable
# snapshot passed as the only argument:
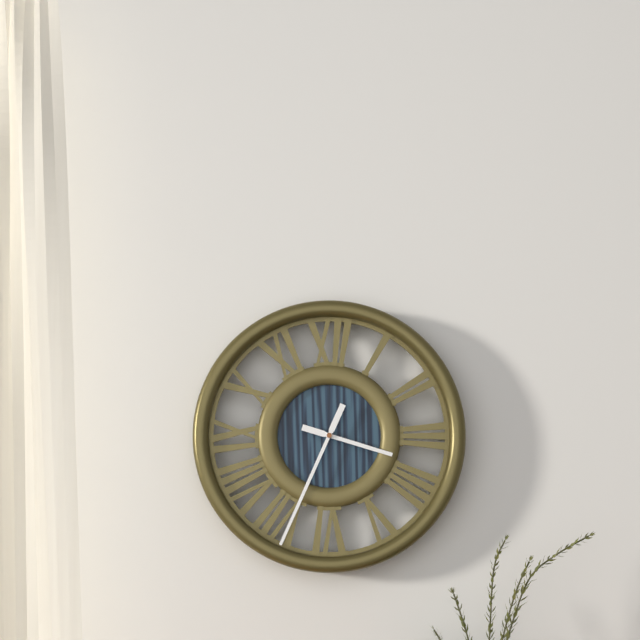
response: 3 h 34 min
